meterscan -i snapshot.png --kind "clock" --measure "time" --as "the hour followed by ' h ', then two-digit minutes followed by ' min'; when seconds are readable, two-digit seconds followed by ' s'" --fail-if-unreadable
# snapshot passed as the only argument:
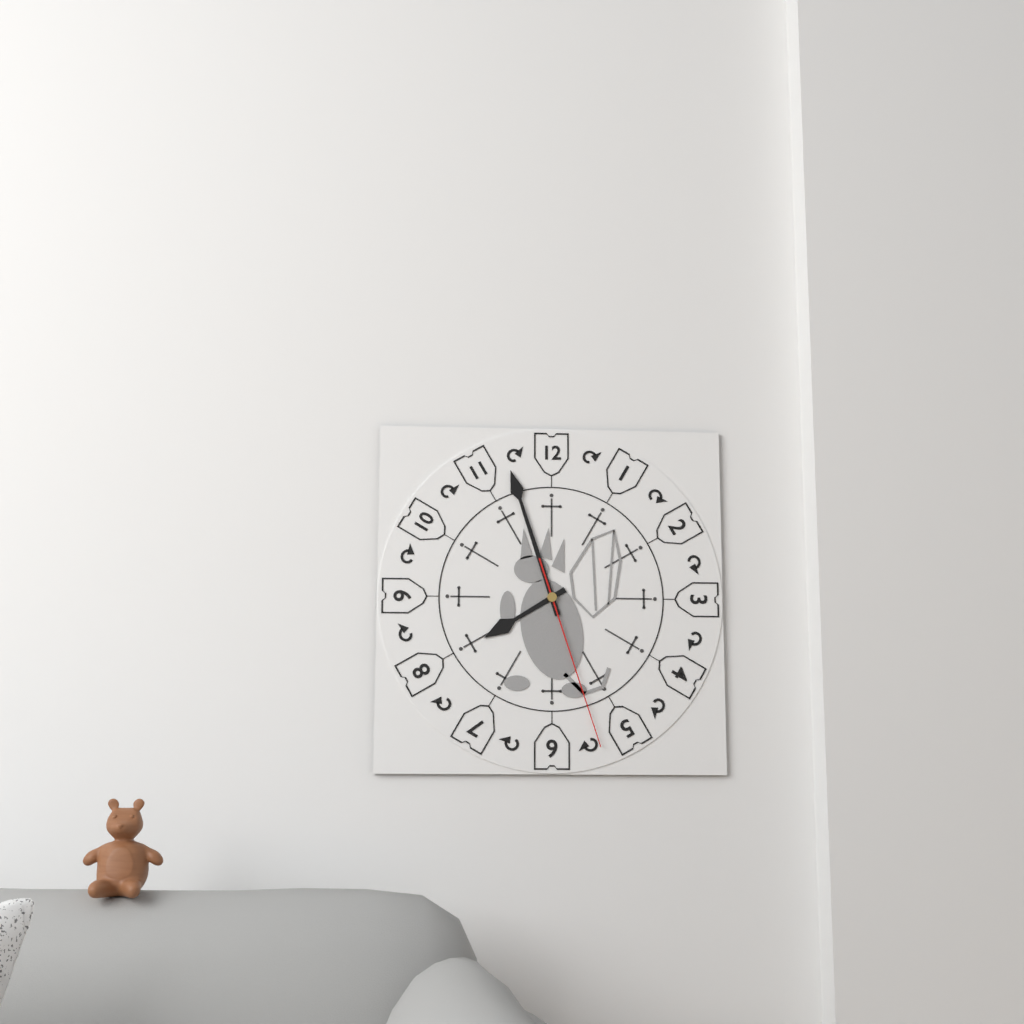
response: 7 h 57 min 27 s
